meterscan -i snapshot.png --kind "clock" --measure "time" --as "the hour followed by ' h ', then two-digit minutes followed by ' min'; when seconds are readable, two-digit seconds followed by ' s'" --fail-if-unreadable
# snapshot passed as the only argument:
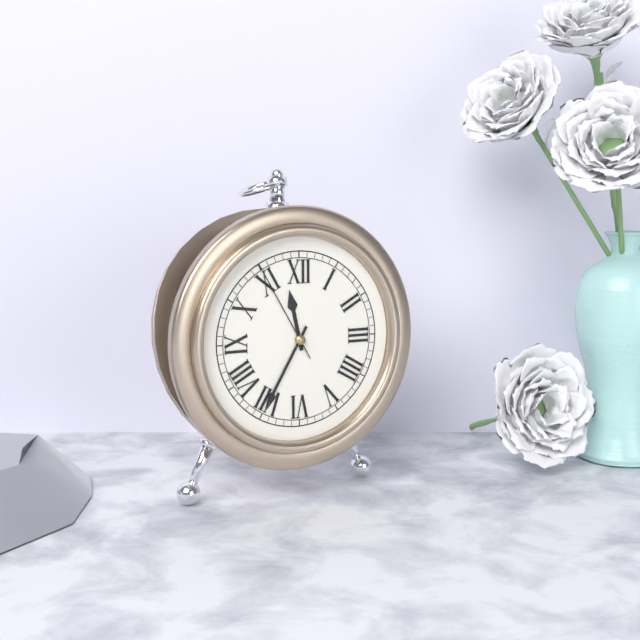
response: 11 h 35 min 55 s
